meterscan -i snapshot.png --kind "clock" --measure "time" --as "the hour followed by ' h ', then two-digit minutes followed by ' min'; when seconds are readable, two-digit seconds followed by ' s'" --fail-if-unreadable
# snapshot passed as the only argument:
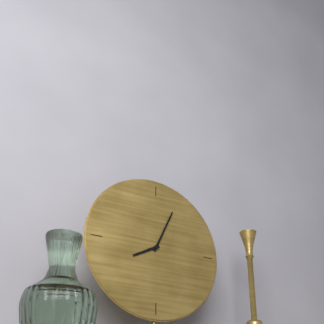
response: 8 h 04 min
